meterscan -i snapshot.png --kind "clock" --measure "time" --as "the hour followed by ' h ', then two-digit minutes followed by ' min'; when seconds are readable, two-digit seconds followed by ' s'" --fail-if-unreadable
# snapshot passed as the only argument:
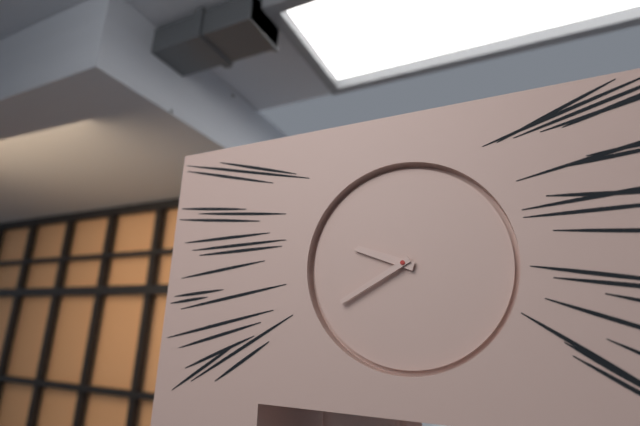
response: 9 h 40 min
